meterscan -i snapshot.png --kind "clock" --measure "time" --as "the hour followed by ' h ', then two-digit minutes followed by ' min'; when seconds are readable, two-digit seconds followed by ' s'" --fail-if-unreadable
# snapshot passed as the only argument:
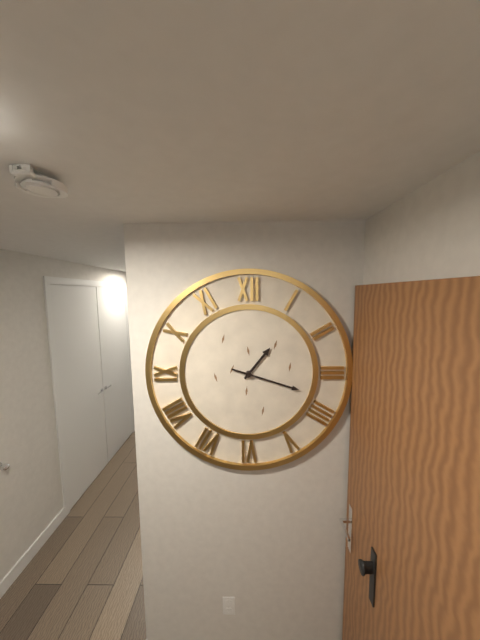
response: 1 h 18 min
